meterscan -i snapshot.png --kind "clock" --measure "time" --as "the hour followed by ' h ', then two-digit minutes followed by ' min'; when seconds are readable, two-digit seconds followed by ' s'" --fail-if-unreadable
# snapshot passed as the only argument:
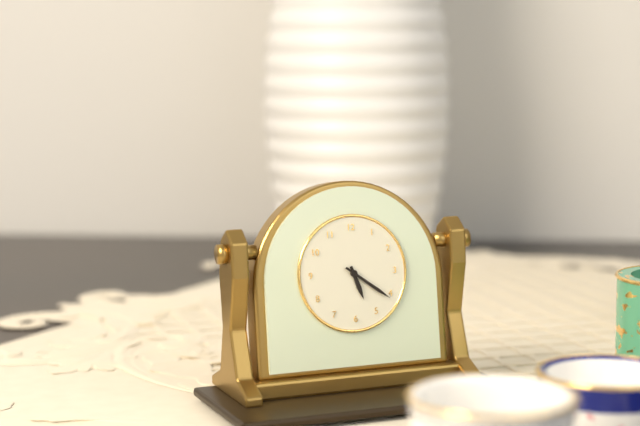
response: 5 h 21 min
